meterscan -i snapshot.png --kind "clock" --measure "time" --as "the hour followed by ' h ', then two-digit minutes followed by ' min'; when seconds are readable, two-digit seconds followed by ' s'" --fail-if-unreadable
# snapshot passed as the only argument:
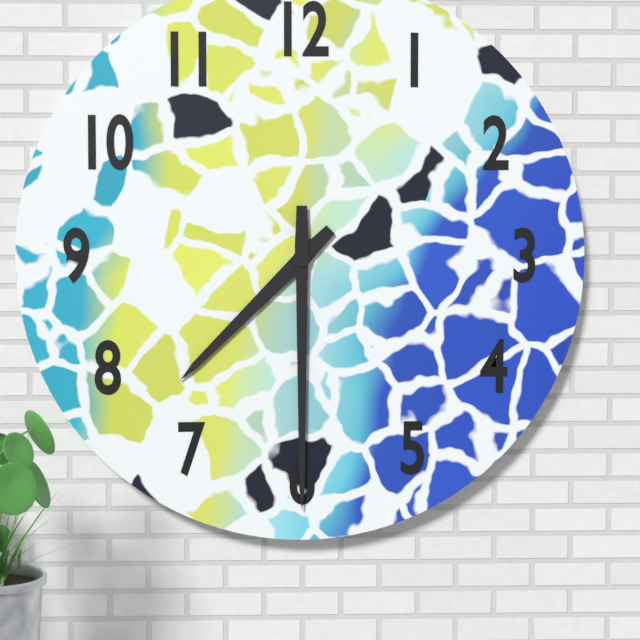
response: 7 h 30 min
